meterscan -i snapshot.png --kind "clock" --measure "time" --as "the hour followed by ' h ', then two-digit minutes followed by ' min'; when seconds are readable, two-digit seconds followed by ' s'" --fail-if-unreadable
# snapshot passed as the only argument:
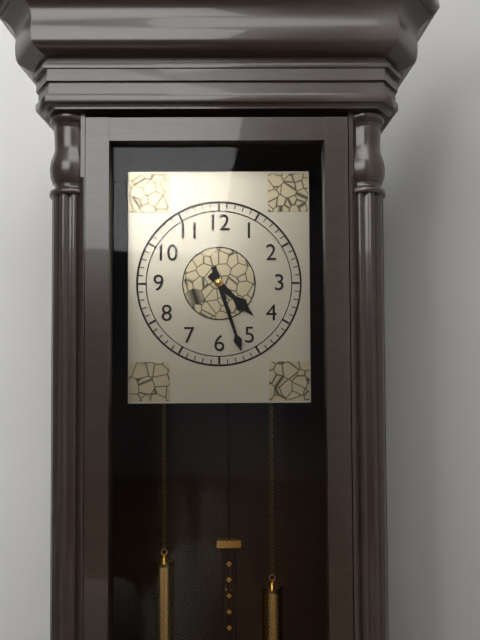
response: 4 h 27 min
